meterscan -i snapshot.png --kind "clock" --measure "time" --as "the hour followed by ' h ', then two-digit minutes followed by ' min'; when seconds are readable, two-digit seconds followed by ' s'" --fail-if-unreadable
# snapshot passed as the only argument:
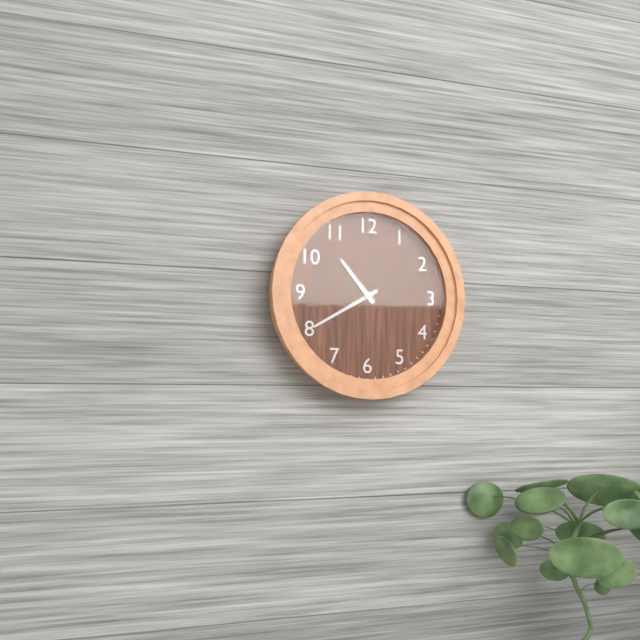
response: 10 h 40 min
